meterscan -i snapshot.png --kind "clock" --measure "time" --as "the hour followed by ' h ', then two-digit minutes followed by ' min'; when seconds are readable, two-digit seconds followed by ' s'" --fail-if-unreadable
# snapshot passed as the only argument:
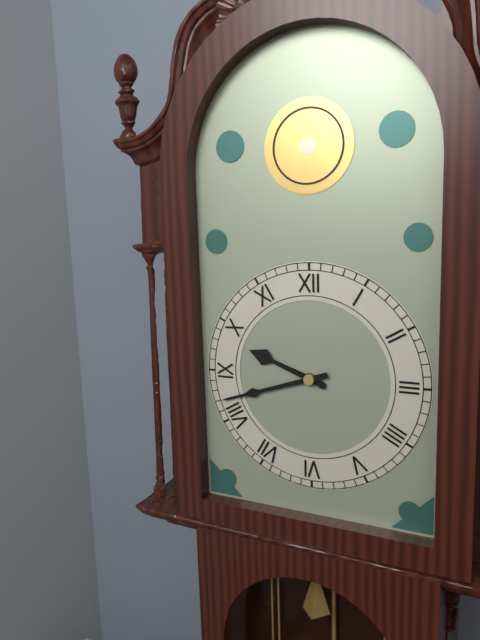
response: 9 h 42 min
